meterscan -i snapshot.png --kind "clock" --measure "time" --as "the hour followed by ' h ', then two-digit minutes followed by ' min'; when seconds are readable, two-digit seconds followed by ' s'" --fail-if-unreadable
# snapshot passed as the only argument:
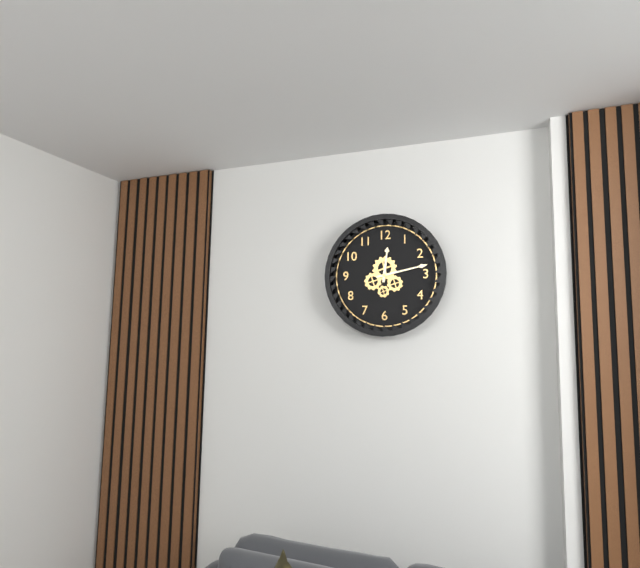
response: 12 h 13 min
